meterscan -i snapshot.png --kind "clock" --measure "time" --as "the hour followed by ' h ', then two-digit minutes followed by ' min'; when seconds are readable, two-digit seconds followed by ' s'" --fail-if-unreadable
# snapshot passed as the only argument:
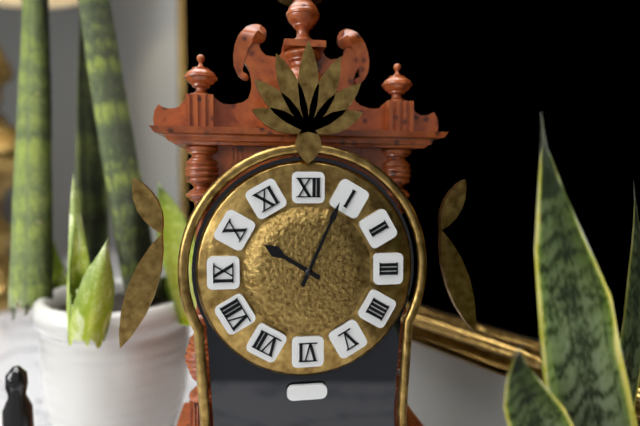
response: 10 h 04 min
